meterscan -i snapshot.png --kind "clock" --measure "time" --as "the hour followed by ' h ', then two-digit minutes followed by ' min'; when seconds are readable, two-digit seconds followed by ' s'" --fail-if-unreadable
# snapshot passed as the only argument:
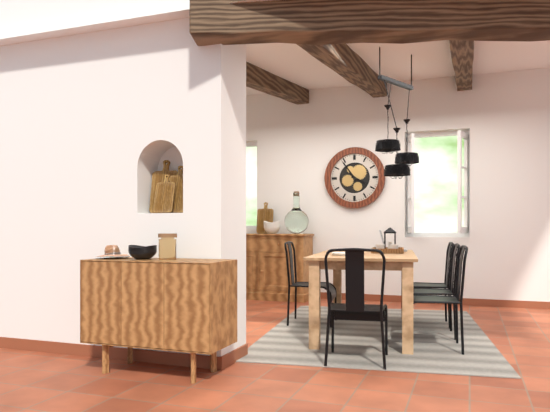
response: 3 h 54 min
